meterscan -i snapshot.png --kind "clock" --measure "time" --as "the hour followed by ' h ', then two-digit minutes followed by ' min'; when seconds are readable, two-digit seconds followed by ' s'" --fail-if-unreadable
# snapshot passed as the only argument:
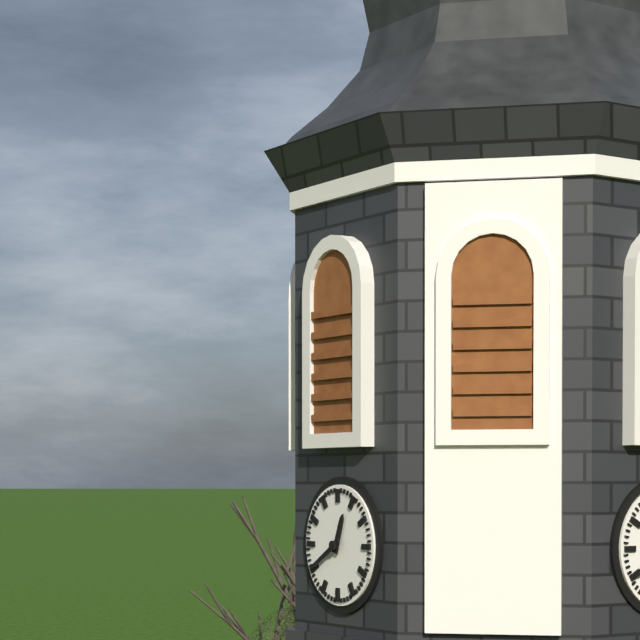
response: 12 h 40 min
